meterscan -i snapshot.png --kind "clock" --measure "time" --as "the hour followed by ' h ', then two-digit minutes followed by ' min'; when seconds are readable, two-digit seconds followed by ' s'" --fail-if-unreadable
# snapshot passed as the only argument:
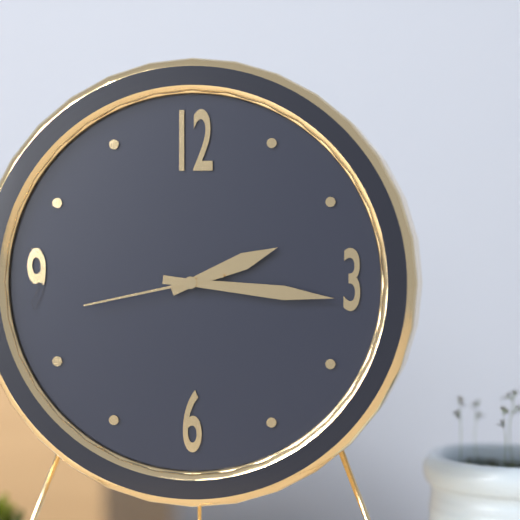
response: 2 h 16 min 43 s
